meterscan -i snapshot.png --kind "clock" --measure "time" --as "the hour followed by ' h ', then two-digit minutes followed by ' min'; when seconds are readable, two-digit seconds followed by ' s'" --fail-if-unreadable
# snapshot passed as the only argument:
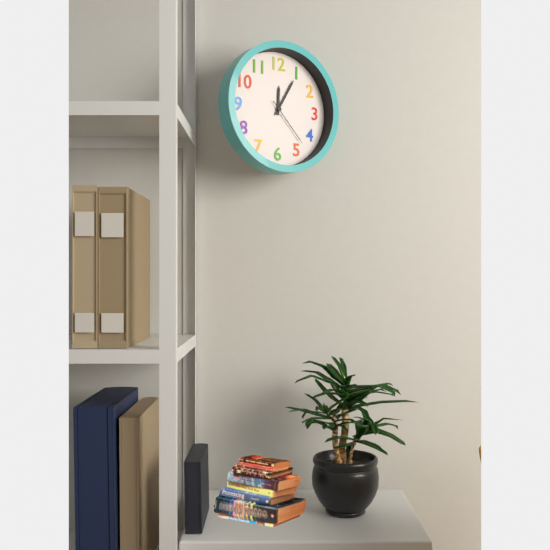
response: 12 h 05 min 23 s
